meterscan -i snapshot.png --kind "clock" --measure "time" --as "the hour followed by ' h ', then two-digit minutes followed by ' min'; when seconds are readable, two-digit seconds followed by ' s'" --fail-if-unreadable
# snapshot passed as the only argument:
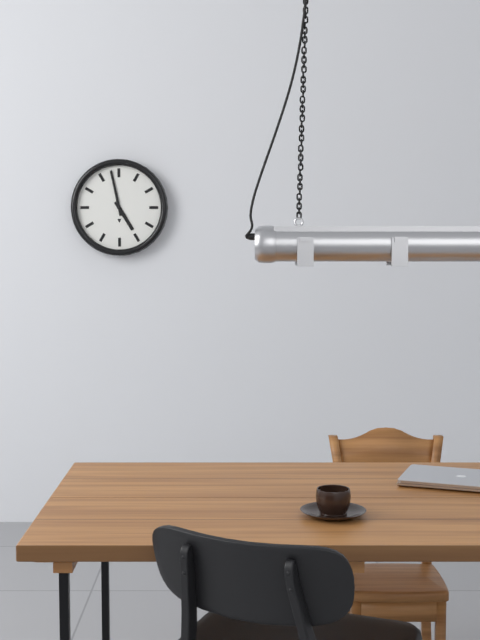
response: 4 h 58 min
